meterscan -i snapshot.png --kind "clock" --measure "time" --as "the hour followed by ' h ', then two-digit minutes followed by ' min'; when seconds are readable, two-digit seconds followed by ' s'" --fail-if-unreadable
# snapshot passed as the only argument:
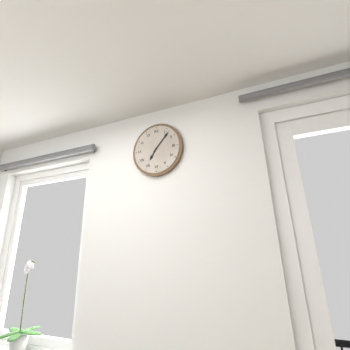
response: 7 h 07 min
